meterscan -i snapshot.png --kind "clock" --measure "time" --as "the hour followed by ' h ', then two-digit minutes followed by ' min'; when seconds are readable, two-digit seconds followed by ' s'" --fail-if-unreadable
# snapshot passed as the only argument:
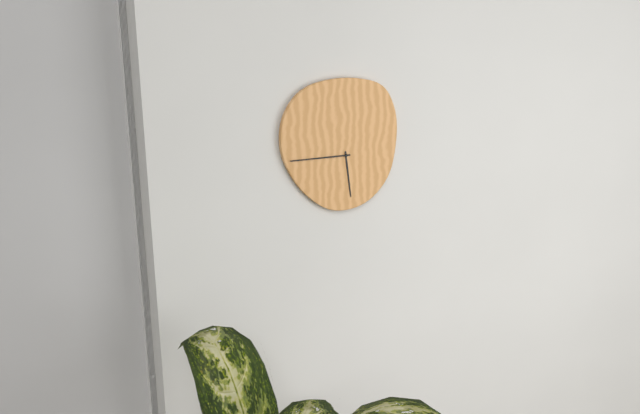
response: 5 h 45 min
